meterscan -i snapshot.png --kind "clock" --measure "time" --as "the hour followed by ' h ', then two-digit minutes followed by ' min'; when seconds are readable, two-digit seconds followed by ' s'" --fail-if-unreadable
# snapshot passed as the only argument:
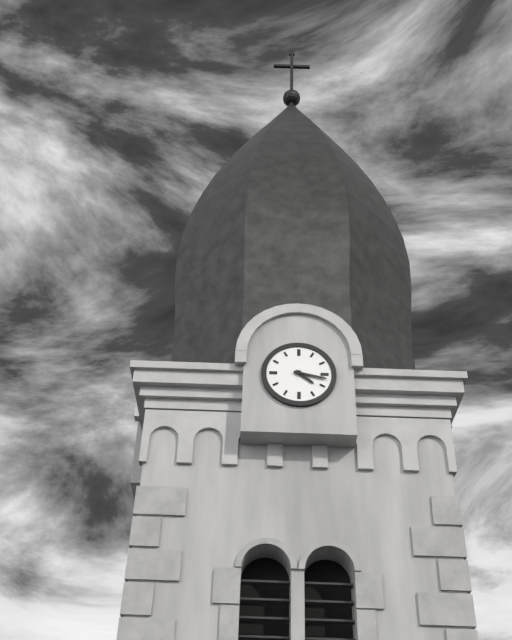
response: 4 h 17 min
